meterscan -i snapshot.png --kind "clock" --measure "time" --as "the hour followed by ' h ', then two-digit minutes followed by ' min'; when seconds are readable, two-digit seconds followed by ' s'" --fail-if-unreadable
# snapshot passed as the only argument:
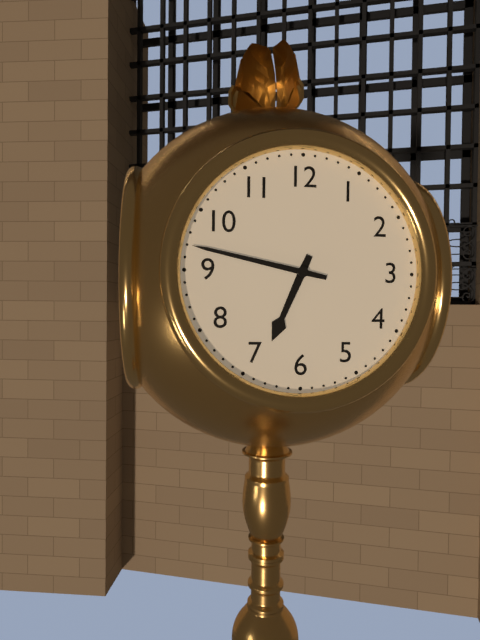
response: 6 h 47 min
